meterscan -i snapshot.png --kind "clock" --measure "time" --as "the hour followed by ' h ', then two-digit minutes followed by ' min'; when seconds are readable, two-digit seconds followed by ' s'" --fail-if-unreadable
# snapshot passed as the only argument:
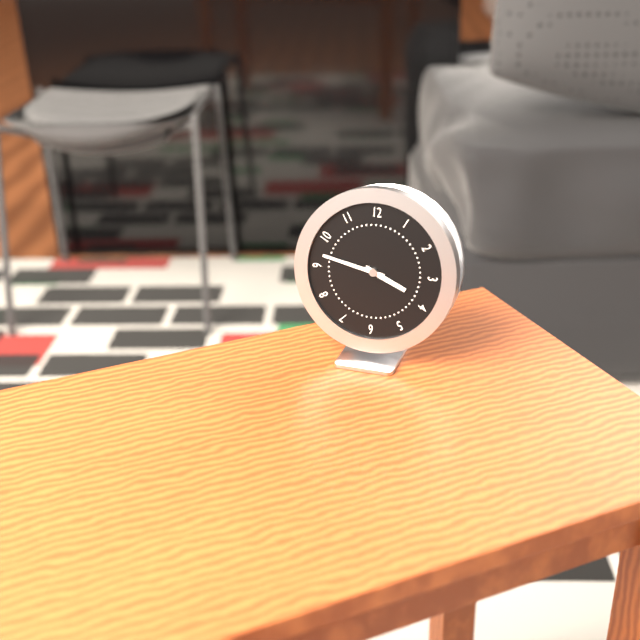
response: 3 h 47 min
